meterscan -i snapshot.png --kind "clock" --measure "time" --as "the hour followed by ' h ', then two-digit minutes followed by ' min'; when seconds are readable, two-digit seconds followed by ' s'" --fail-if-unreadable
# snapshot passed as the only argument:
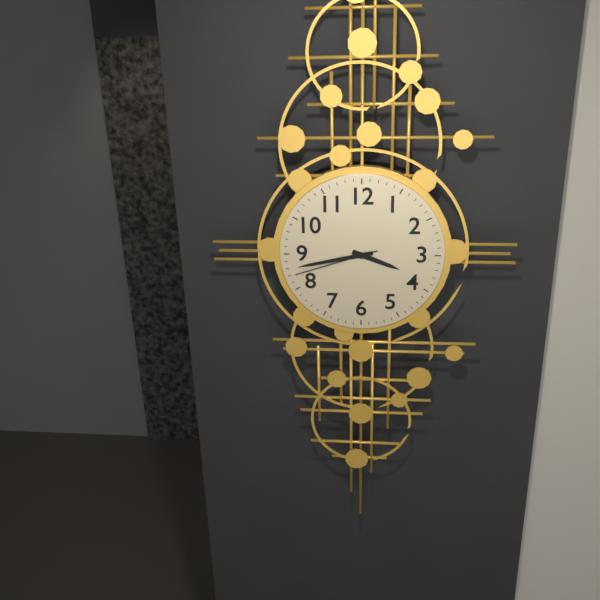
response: 3 h 43 min 42 s
